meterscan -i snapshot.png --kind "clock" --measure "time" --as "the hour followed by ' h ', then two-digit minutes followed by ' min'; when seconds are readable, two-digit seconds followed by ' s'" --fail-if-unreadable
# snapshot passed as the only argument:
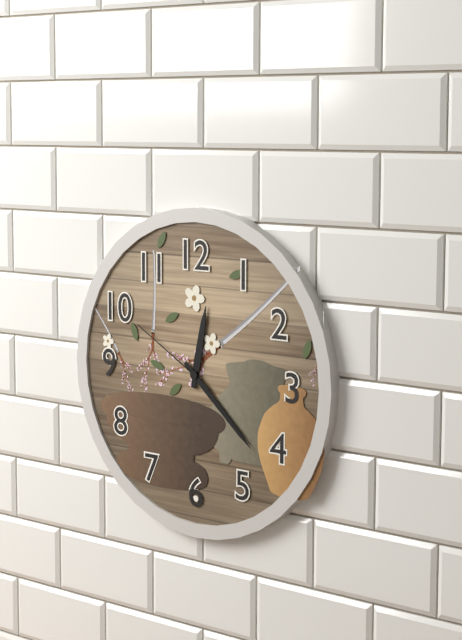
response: 12 h 22 min 50 s
